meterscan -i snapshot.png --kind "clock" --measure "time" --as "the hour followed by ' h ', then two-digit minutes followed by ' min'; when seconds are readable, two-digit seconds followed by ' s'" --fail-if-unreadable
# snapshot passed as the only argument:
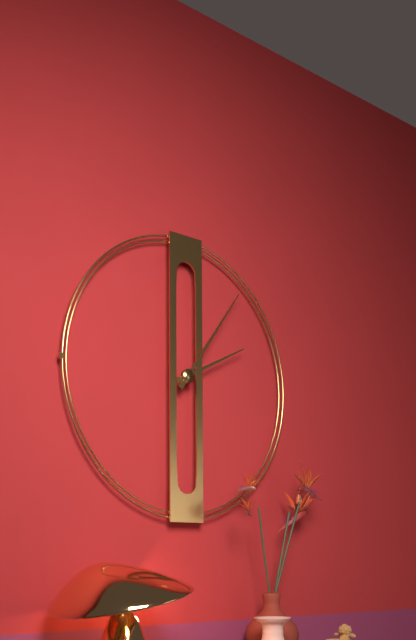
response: 2 h 06 min
